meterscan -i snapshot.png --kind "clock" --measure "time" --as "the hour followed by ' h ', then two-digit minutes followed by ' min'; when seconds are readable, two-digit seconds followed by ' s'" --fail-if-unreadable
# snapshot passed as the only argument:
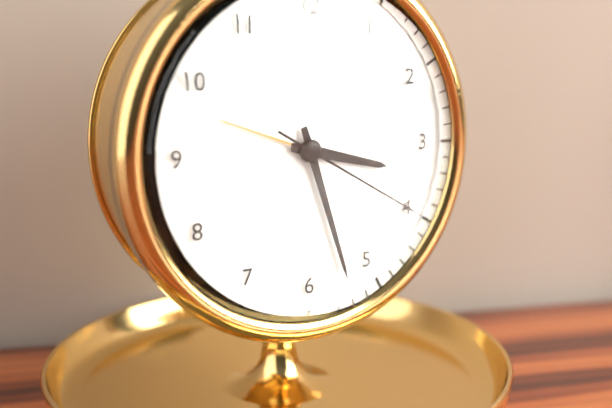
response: 3 h 27 min 20 s
